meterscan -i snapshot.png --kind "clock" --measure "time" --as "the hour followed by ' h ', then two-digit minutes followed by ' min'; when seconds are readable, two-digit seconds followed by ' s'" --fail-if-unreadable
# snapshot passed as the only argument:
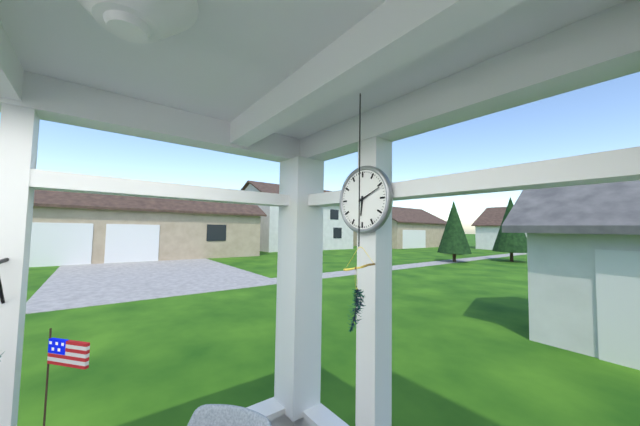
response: 6 h 11 min
